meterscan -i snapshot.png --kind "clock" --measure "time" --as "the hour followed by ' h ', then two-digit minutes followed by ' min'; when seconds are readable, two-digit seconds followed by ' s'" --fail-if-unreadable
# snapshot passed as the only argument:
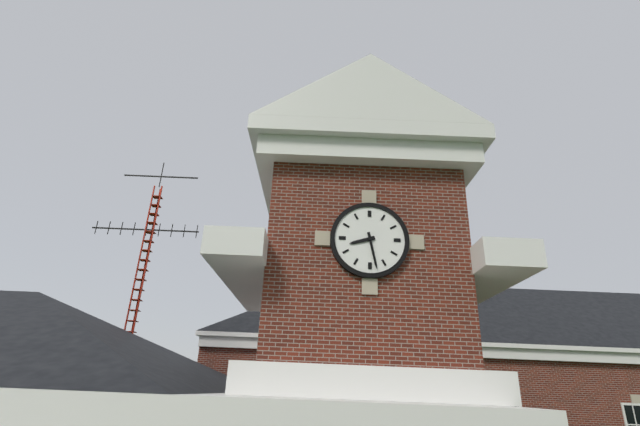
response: 8 h 28 min
